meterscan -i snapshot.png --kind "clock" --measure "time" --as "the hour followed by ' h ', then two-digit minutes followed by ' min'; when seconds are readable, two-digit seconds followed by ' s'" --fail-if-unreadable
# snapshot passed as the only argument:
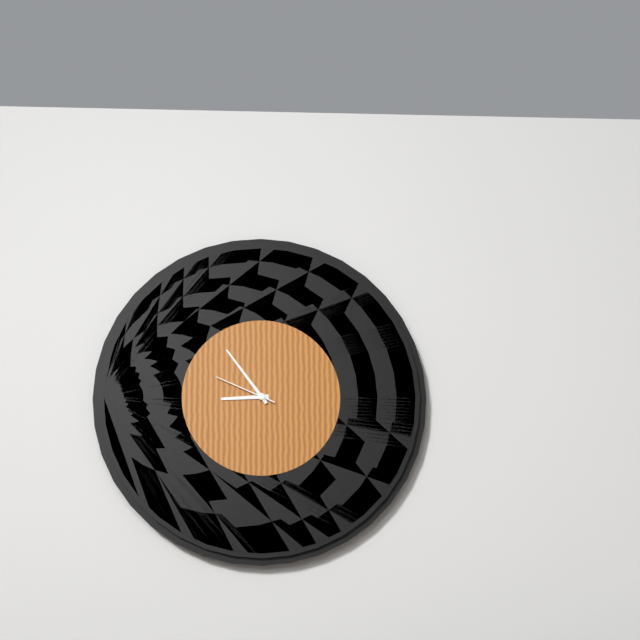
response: 8 h 54 min 49 s
